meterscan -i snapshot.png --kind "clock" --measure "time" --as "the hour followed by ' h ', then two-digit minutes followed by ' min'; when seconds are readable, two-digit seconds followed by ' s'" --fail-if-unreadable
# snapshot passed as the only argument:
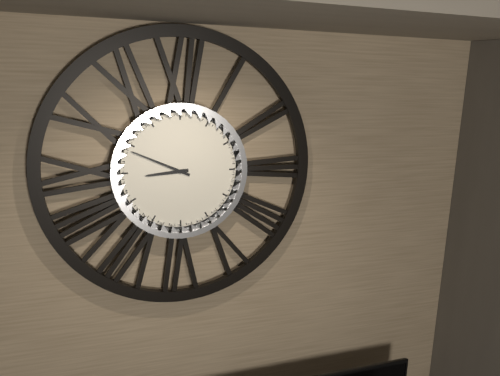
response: 8 h 49 min
